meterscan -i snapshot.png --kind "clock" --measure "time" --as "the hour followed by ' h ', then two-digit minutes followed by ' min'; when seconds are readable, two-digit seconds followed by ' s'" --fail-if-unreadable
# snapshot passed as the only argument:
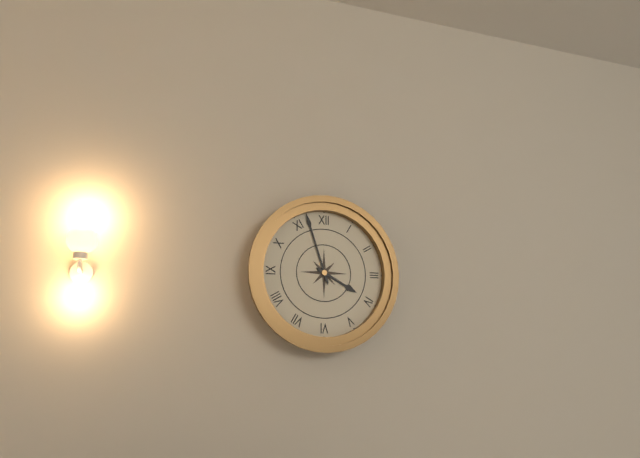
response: 3 h 57 min
